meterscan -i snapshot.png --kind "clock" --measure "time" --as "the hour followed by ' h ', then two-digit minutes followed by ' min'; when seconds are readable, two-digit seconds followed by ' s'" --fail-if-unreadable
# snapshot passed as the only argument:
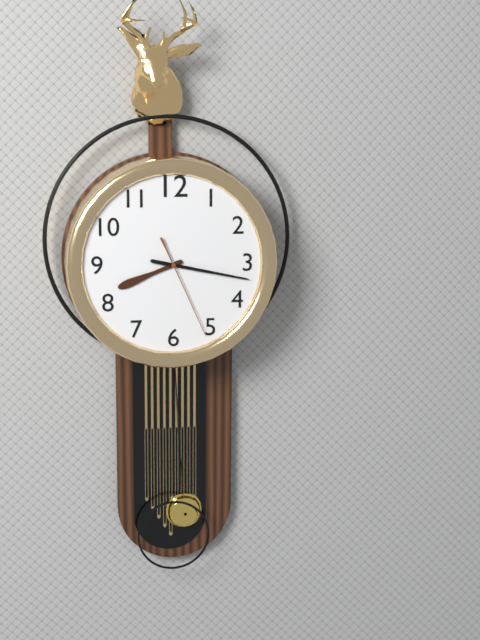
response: 8 h 17 min 26 s
